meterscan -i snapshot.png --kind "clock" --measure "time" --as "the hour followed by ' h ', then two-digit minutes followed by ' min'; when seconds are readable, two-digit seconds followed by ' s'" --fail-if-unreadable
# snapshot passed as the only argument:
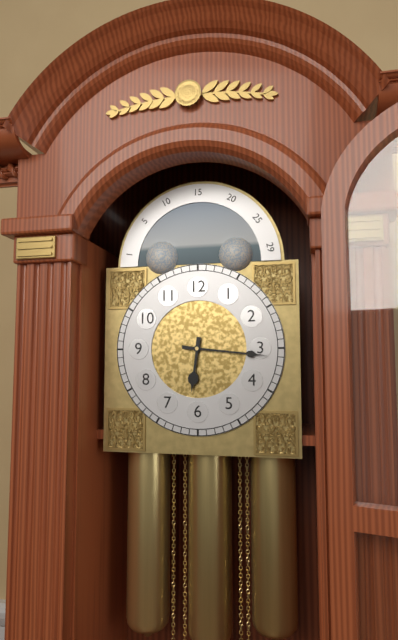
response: 6 h 16 min
